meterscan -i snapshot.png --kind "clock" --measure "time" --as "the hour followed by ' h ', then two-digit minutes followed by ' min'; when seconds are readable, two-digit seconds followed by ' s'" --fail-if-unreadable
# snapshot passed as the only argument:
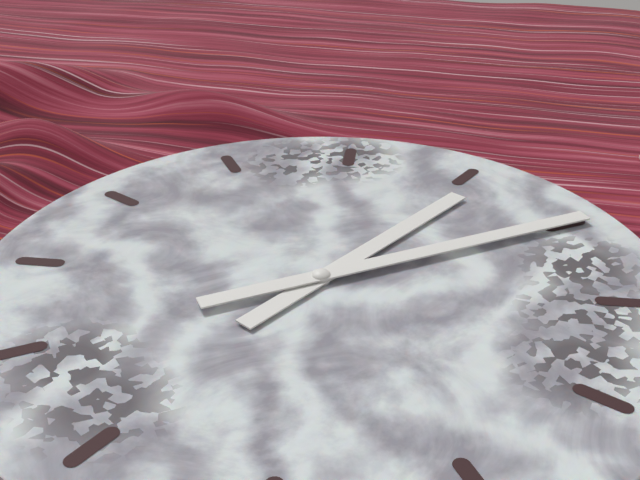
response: 1 h 10 min
